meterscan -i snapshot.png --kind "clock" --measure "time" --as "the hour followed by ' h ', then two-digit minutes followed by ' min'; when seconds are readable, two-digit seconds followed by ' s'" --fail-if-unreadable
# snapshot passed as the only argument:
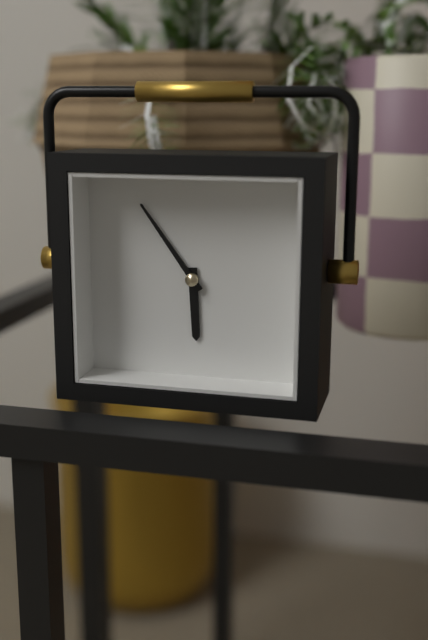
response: 5 h 54 min
